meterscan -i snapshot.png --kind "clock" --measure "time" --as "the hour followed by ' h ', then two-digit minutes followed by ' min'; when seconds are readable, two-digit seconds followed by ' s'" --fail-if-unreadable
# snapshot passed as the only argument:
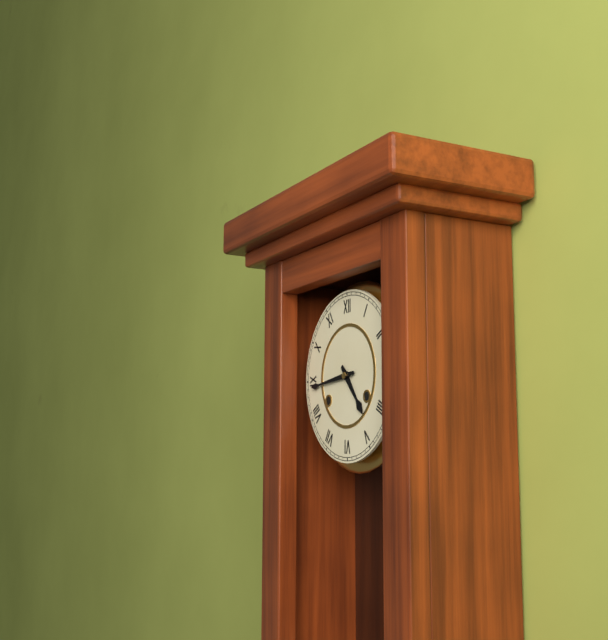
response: 4 h 44 min
